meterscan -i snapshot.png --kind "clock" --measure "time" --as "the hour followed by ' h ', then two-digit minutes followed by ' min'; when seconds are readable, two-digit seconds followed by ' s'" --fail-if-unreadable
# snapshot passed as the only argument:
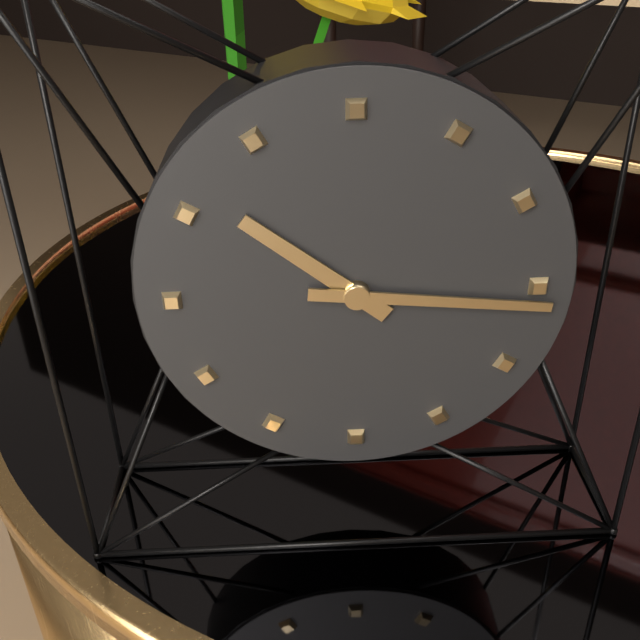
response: 10 h 16 min
